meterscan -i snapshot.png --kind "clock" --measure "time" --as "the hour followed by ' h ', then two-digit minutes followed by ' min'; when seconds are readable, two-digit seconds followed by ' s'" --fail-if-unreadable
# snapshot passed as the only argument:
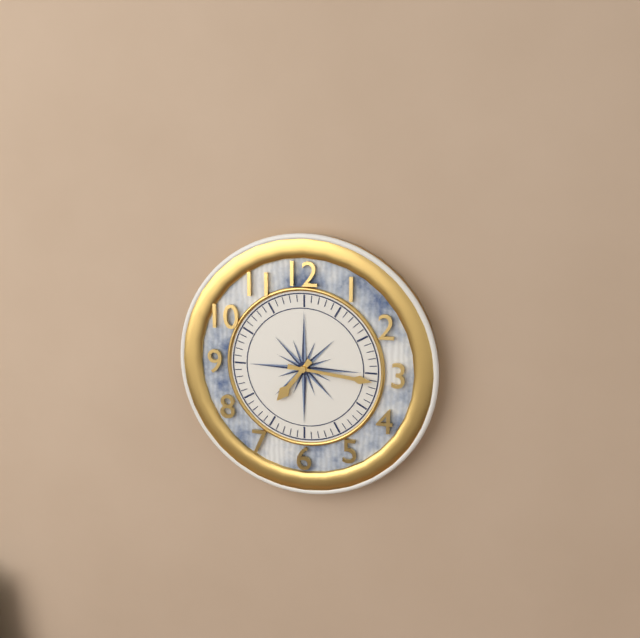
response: 7 h 16 min
